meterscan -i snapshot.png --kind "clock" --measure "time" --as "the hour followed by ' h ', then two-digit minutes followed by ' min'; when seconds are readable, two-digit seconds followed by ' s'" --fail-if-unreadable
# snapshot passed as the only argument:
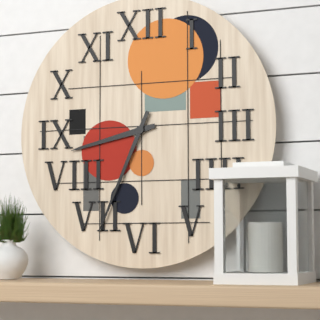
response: 8 h 34 min
